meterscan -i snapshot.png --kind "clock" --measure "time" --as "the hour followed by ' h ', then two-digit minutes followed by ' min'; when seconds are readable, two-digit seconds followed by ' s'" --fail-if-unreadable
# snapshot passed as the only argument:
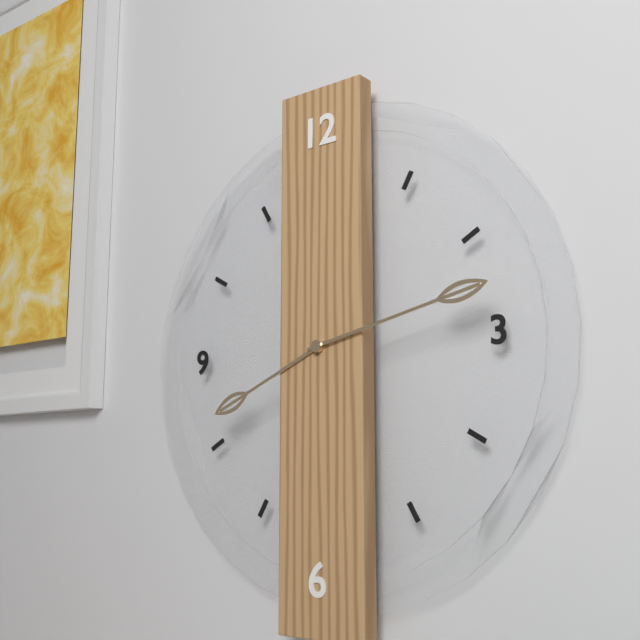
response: 8 h 13 min
